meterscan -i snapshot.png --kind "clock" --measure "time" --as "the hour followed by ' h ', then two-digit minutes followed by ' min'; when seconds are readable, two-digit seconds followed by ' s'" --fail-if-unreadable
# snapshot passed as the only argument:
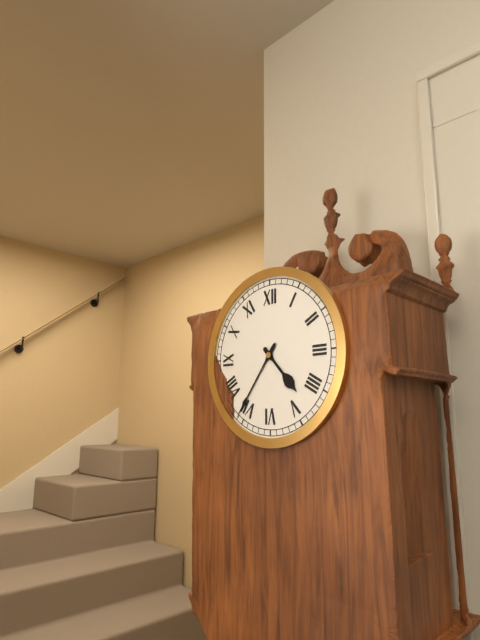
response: 4 h 36 min
